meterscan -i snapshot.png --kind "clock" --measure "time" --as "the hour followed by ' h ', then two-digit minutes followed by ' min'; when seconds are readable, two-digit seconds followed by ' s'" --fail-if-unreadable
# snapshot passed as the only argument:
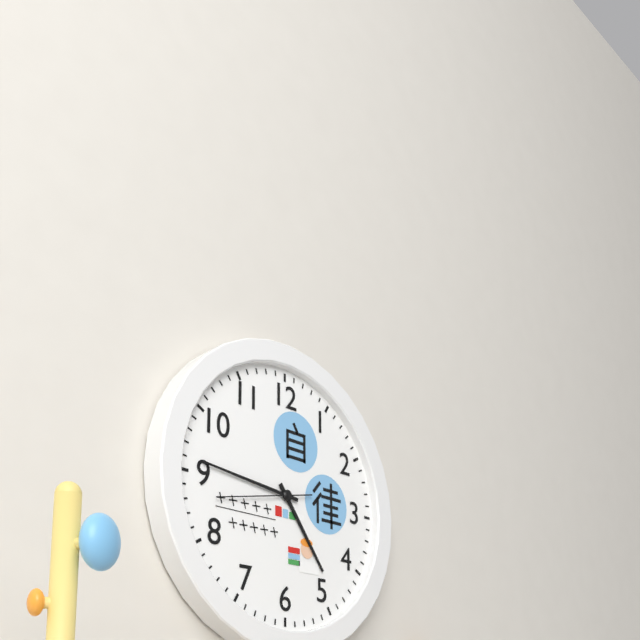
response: 4 h 46 min 43 s
